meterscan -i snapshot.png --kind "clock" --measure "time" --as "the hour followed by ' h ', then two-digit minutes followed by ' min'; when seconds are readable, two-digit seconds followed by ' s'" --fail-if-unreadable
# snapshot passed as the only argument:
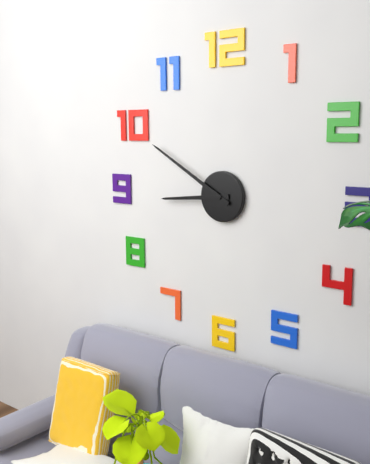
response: 8 h 50 min
